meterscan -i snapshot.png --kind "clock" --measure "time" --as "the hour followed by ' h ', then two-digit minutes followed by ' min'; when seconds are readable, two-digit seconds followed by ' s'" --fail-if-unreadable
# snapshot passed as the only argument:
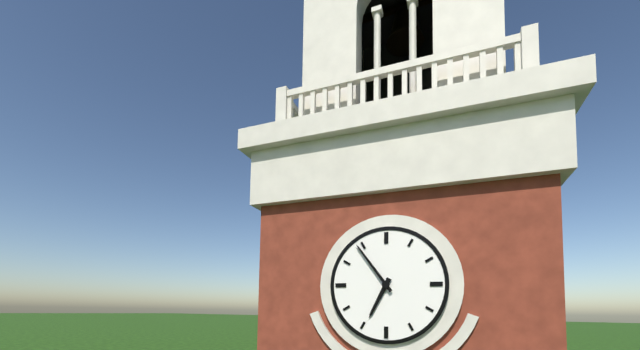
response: 6 h 54 min
